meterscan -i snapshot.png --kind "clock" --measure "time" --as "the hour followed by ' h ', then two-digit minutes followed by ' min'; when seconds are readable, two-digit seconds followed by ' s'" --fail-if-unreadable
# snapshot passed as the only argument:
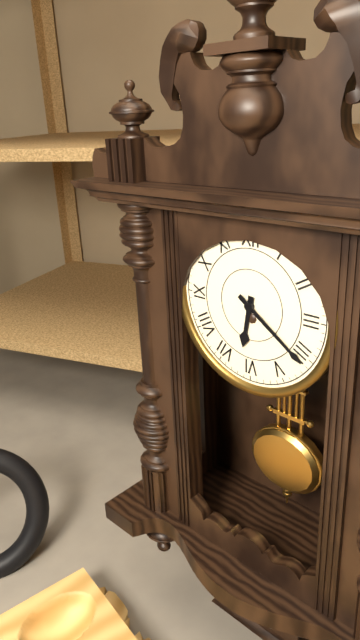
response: 6 h 21 min
